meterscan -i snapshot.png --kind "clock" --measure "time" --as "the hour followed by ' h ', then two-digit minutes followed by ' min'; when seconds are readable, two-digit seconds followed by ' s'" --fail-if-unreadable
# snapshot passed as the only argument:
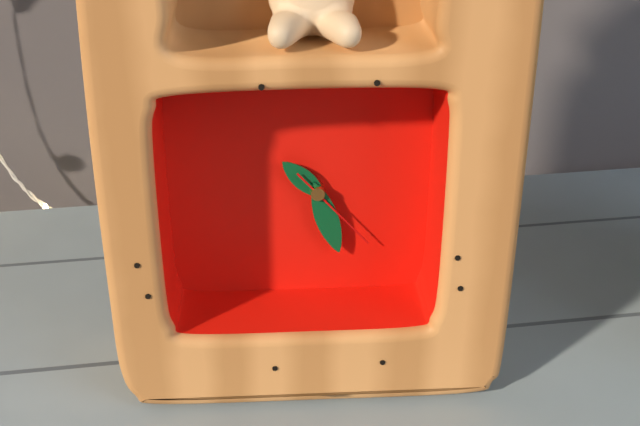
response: 10 h 27 min 23 s
